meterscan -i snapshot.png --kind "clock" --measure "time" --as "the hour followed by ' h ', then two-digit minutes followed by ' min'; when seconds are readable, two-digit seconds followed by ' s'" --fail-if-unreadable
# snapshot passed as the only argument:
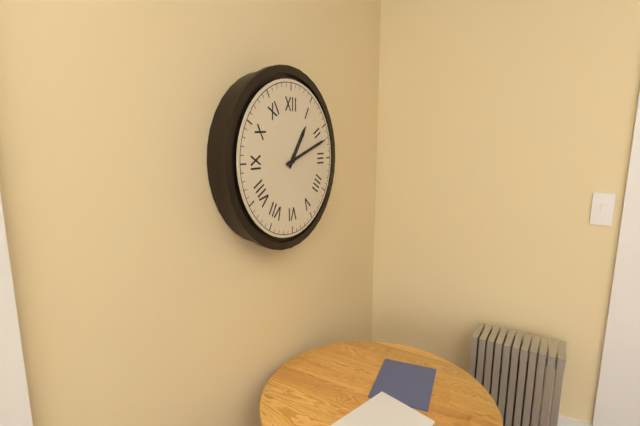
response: 1 h 12 min
